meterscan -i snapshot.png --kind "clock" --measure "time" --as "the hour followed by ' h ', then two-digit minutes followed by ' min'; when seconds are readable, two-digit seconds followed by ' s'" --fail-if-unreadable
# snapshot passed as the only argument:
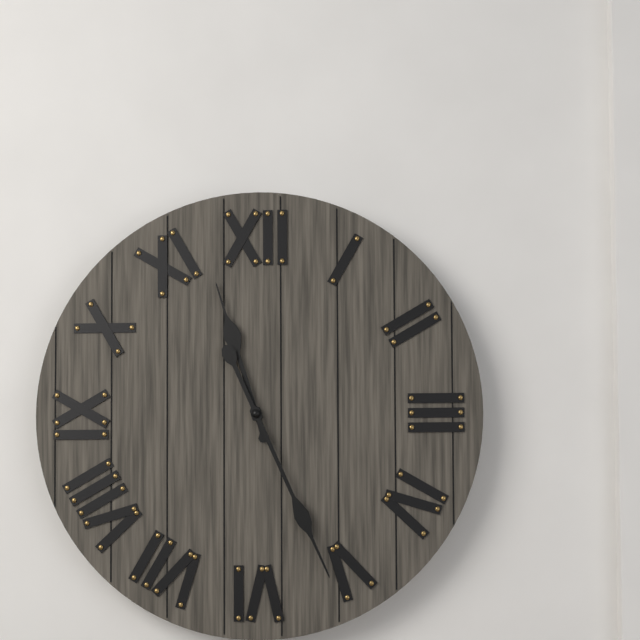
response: 11 h 26 min
